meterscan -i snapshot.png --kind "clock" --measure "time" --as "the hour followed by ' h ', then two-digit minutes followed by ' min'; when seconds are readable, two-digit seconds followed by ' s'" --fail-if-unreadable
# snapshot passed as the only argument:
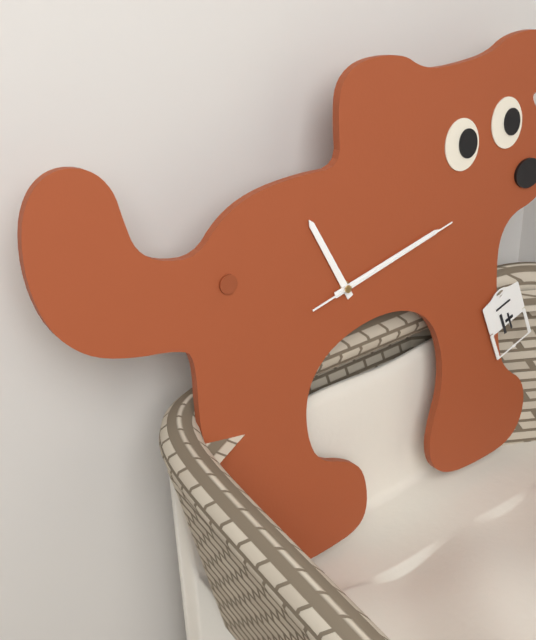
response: 11 h 13 min 13 s
